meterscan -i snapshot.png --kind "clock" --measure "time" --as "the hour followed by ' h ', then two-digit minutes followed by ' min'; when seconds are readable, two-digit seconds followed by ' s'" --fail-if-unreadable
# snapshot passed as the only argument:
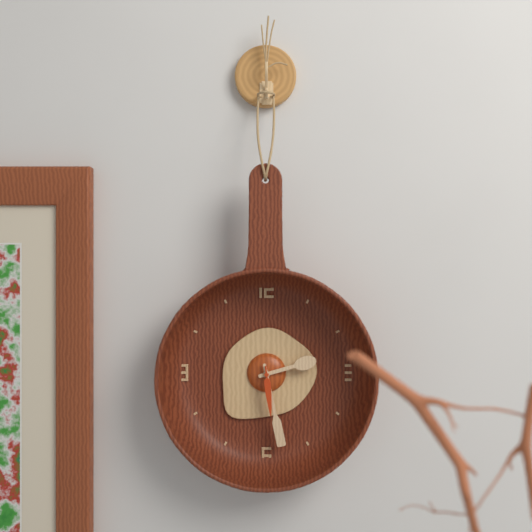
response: 2 h 28 min 29 s
